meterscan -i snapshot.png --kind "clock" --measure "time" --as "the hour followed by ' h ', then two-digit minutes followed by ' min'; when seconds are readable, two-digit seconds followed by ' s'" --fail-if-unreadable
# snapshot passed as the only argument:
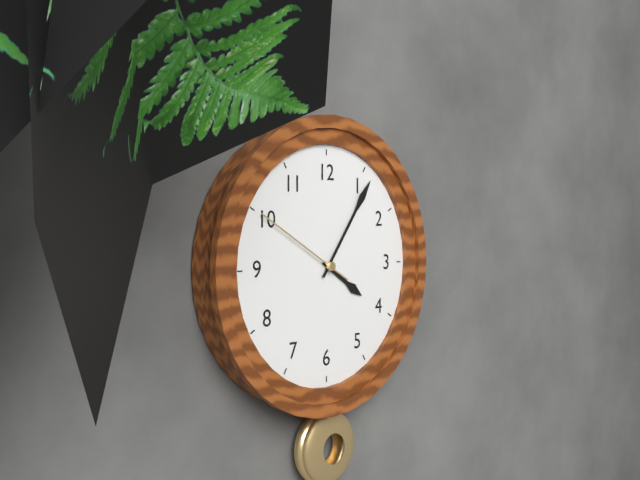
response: 4 h 06 min 50 s
